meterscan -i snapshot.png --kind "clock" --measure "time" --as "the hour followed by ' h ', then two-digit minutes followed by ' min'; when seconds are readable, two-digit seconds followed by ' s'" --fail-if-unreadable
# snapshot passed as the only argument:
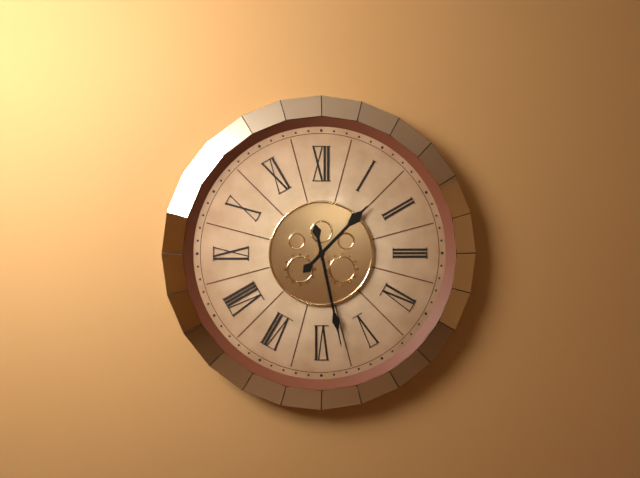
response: 1 h 28 min
